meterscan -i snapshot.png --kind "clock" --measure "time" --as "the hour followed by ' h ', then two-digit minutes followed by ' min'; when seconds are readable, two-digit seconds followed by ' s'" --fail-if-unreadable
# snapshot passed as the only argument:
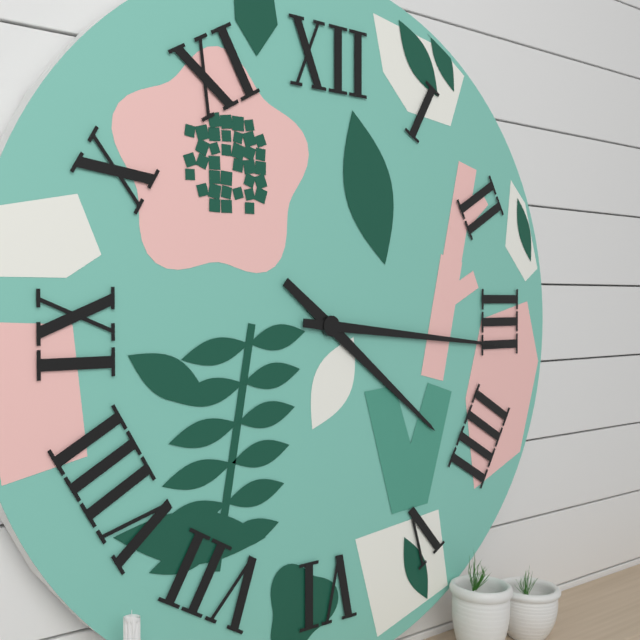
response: 4 h 16 min
